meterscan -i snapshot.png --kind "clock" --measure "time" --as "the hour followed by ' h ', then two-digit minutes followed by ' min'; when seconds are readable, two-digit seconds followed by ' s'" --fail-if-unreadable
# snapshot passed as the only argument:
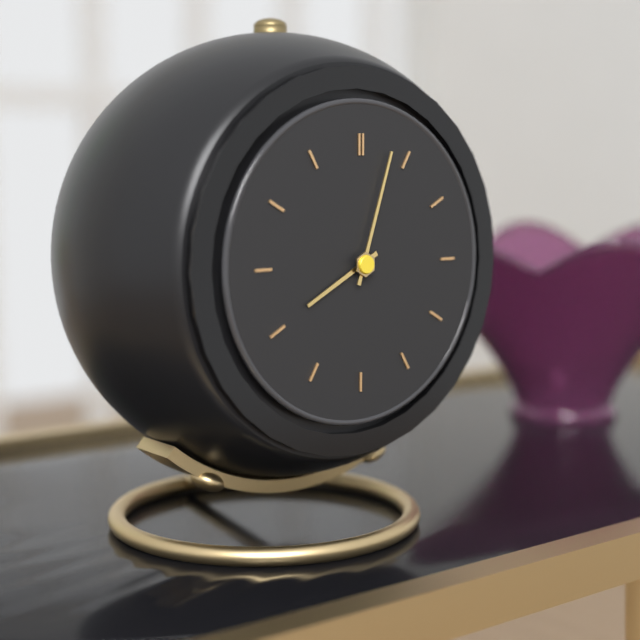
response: 8 h 03 min
